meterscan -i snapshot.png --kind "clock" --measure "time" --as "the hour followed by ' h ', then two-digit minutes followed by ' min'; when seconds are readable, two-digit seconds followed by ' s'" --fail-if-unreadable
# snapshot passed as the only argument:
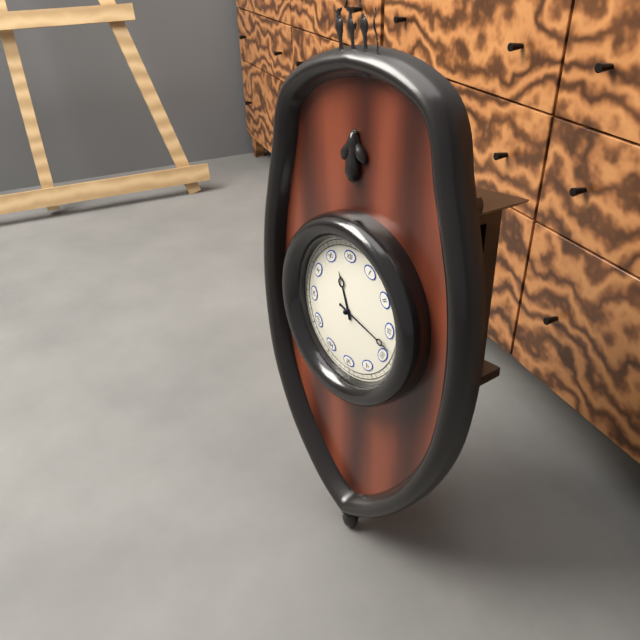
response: 11 h 18 min
